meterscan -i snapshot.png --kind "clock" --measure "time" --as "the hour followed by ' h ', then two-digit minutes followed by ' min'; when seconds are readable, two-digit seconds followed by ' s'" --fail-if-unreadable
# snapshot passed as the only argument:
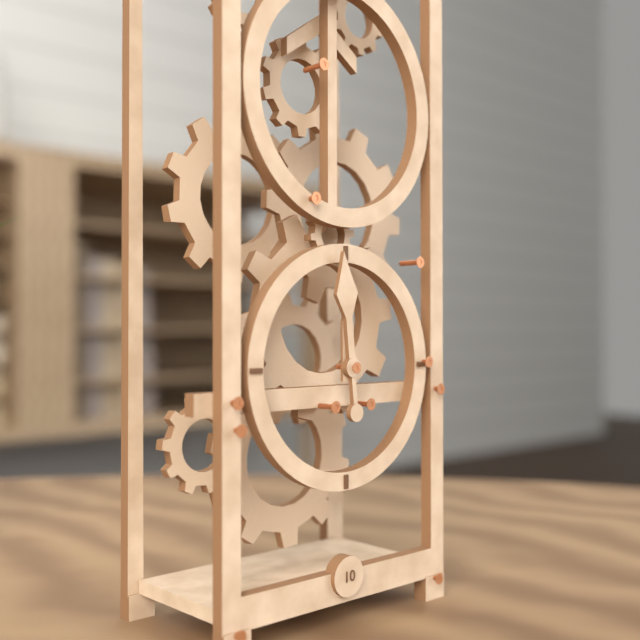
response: 11 h 59 min
